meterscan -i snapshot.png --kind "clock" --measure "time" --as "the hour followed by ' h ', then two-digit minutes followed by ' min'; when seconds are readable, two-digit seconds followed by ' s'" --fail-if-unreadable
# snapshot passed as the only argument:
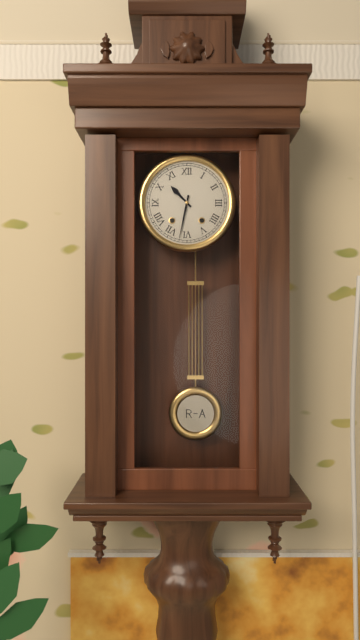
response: 10 h 32 min
